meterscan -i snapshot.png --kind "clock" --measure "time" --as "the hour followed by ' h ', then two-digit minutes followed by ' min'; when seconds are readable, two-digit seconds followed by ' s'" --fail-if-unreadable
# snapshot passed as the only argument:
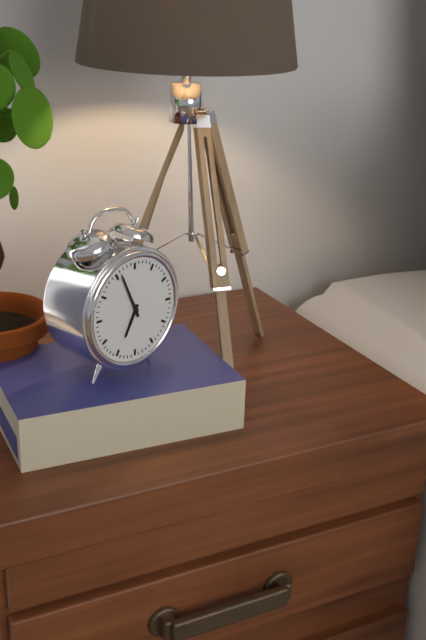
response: 6 h 56 min
